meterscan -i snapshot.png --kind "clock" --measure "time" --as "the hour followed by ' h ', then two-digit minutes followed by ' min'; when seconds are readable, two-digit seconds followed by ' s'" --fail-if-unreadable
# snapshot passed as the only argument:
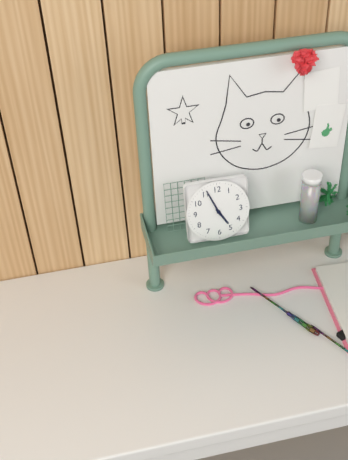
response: 4 h 56 min
